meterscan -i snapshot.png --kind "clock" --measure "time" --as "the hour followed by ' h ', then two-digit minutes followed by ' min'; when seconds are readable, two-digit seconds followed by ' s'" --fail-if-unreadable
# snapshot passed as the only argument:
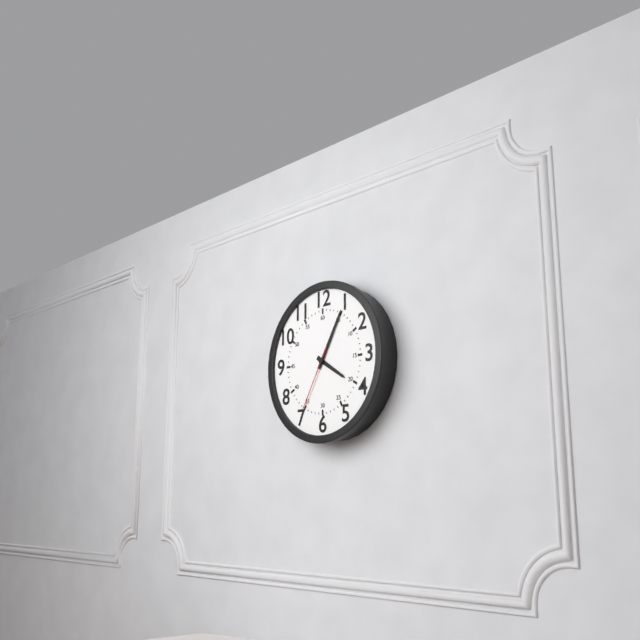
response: 4 h 05 min 35 s
